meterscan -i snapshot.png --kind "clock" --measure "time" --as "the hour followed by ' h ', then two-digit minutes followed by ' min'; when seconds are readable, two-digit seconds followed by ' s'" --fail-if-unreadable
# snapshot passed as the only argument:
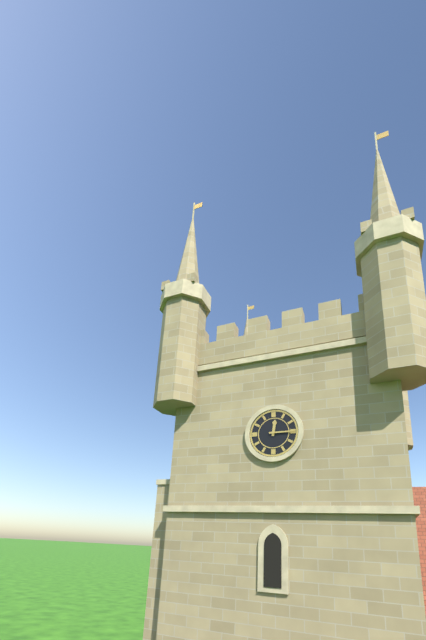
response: 12 h 15 min
